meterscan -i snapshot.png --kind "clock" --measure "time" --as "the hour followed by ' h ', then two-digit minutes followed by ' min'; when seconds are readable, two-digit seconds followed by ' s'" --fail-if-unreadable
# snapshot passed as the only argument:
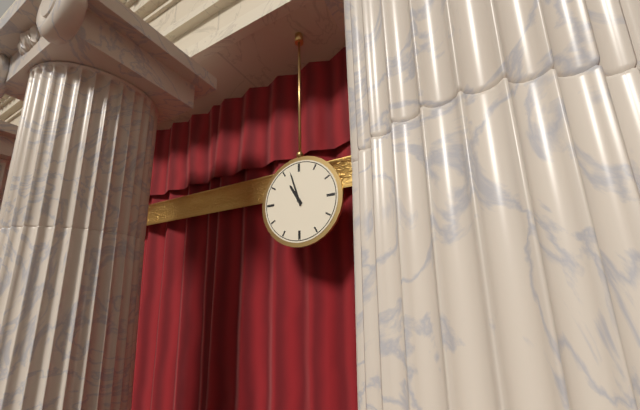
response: 10 h 57 min
